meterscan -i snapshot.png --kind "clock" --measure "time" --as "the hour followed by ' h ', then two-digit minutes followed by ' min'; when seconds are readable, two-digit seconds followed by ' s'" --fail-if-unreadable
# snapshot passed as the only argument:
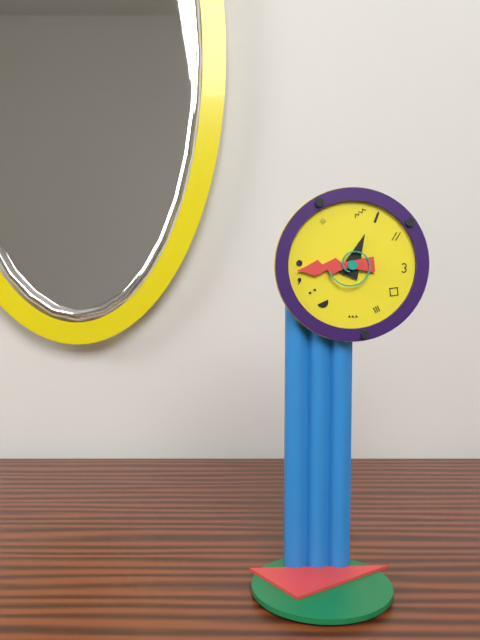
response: 12 h 44 min
